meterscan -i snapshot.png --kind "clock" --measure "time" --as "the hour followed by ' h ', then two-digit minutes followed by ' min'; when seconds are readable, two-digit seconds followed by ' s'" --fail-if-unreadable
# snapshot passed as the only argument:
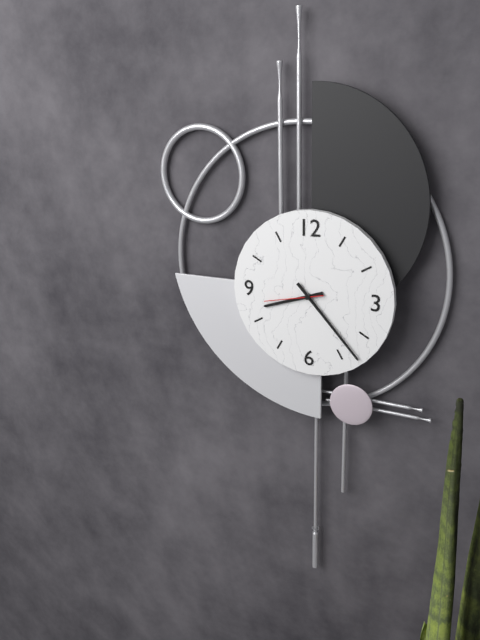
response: 8 h 23 min 43 s
